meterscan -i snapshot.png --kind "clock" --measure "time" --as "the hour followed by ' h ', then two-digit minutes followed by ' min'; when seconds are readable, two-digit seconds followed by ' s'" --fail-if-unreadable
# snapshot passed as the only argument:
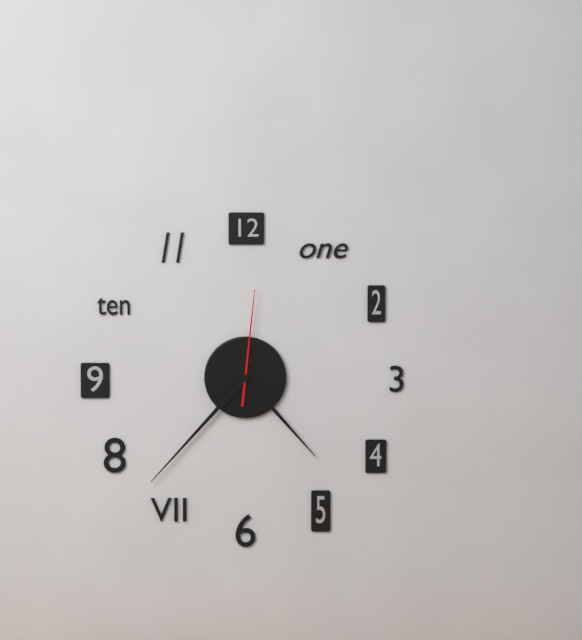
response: 4 h 37 min 01 s
